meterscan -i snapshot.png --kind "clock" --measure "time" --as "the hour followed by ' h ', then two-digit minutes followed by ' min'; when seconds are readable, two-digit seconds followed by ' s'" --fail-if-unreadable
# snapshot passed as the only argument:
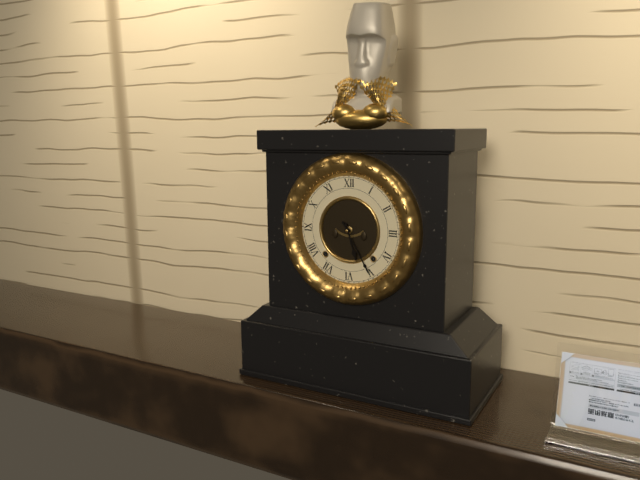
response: 5 h 25 min
